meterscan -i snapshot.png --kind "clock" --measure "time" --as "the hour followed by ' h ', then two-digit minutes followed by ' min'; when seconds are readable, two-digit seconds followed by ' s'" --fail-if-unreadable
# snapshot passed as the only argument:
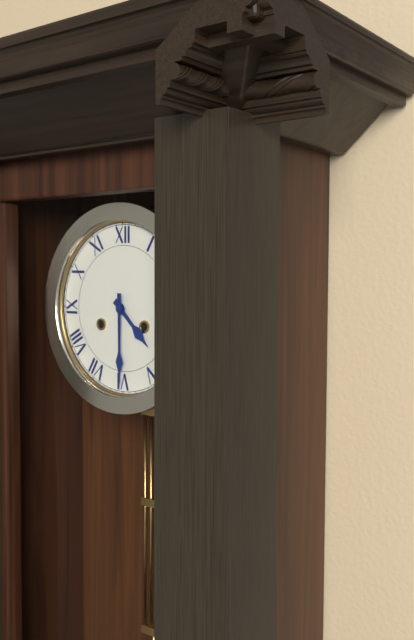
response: 4 h 30 min
